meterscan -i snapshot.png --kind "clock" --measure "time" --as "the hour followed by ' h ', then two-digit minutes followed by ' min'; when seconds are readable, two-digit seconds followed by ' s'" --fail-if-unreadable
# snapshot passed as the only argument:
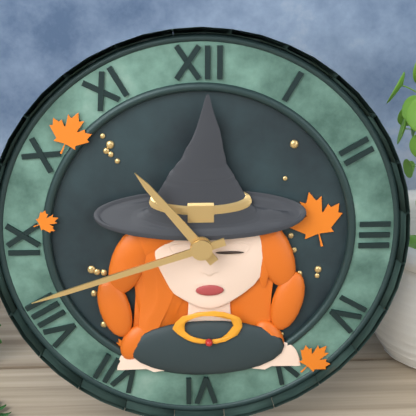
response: 10 h 42 min
